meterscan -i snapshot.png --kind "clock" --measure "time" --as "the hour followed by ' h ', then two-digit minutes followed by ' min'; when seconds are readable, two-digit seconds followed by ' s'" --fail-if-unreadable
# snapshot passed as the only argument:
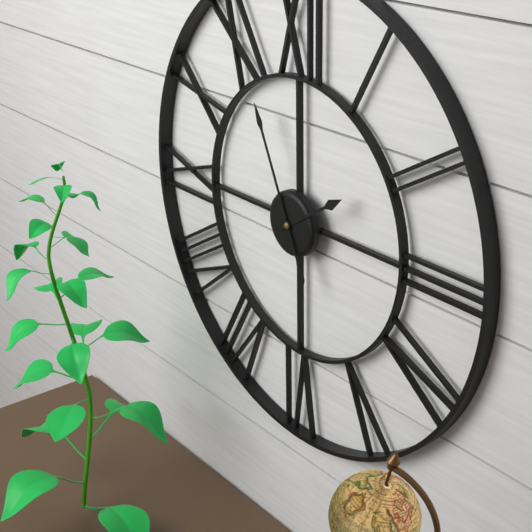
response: 1 h 56 min
